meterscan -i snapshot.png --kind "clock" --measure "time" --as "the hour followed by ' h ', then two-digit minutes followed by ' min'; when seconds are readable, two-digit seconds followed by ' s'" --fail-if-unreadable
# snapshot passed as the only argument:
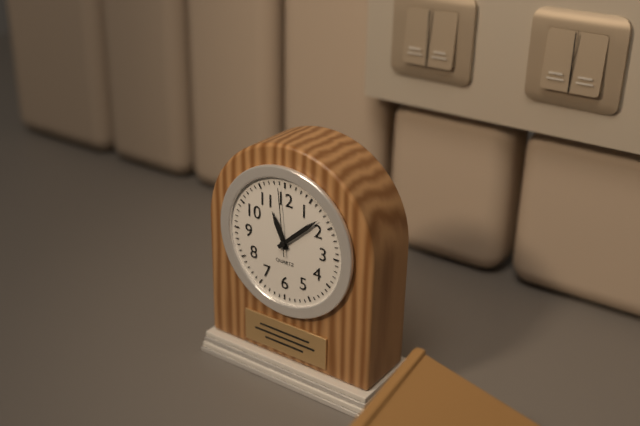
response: 11 h 08 min 59 s
